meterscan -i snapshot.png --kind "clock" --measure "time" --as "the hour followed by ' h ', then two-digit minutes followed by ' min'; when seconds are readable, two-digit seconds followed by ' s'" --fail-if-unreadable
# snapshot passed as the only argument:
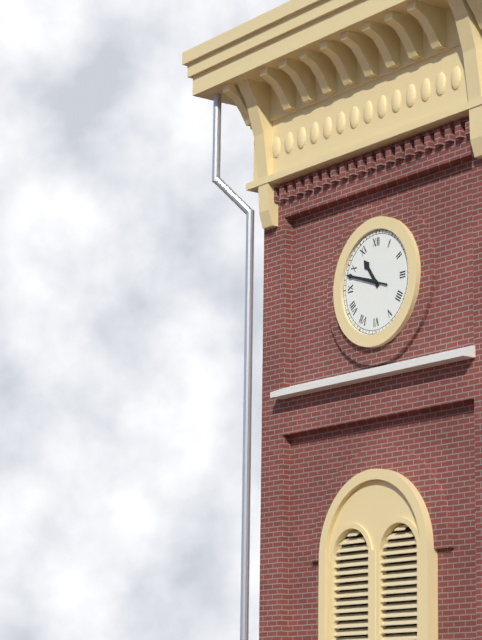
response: 10 h 48 min
